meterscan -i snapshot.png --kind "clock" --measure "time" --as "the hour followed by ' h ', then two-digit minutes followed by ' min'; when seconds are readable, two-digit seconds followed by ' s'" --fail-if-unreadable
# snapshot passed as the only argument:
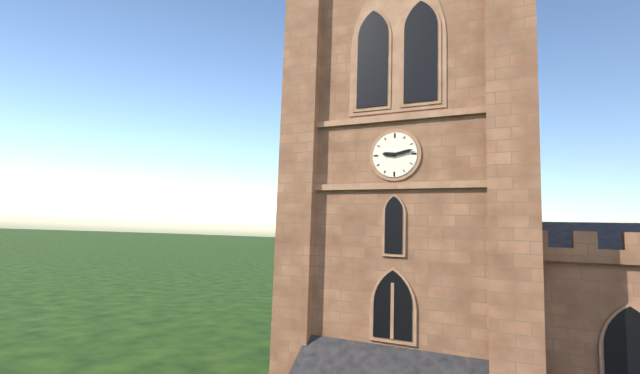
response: 9 h 13 min
